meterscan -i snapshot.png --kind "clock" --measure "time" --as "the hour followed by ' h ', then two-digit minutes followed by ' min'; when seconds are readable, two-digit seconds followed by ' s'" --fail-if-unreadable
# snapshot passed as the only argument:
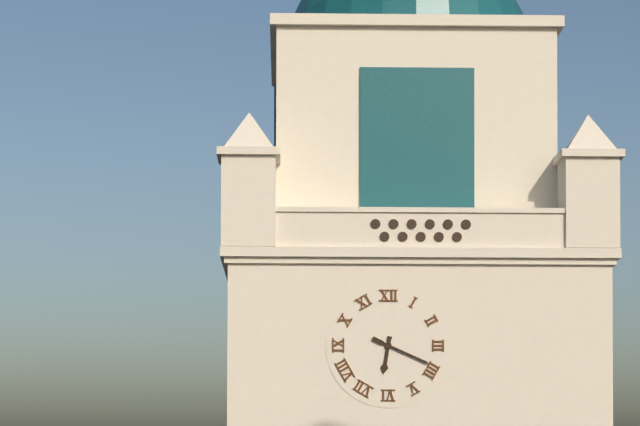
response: 6 h 19 min
